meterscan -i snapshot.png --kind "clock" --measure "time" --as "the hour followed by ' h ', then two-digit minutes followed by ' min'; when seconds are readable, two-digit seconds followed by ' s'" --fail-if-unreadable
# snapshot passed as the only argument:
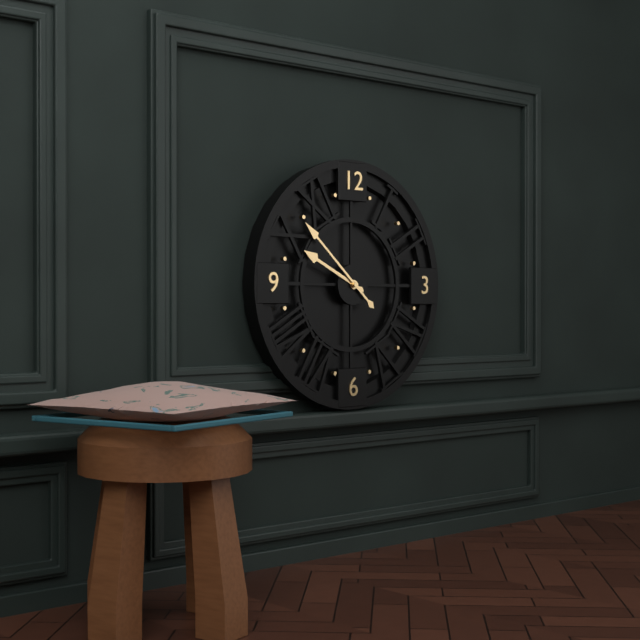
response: 9 h 52 min
